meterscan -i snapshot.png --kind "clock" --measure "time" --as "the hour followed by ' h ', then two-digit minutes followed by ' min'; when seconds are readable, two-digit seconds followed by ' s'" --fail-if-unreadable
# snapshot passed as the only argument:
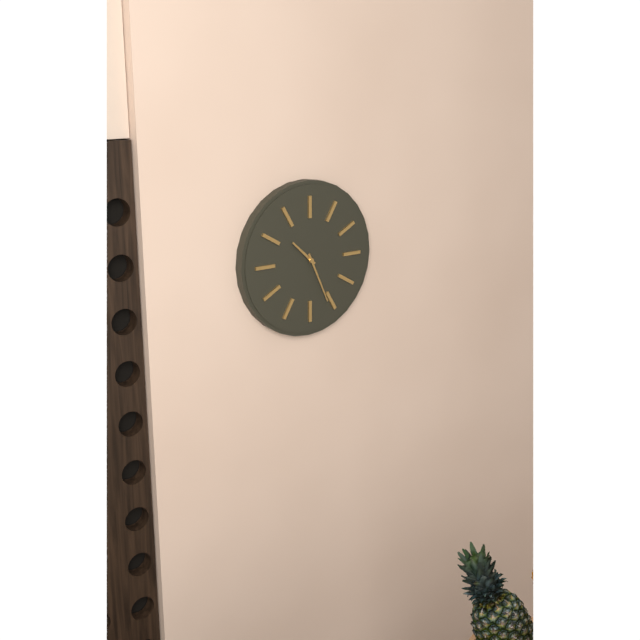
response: 10 h 26 min
